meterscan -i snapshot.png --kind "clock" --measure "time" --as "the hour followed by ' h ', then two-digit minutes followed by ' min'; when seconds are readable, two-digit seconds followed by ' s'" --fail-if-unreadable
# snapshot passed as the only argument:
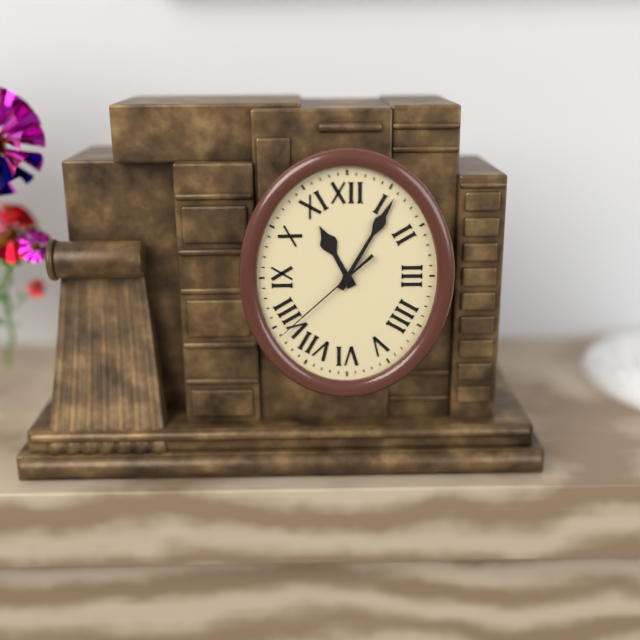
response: 11 h 05 min 38 s
